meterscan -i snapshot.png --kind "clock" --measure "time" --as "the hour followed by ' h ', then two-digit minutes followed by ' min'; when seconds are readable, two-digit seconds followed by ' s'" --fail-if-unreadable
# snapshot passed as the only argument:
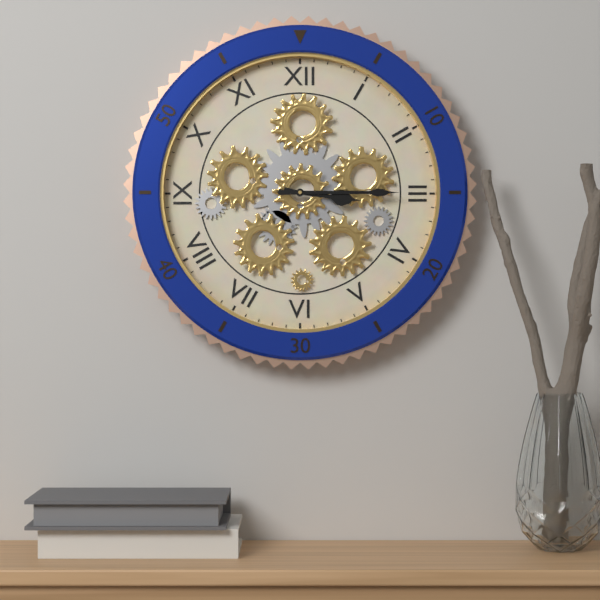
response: 3 h 15 min
